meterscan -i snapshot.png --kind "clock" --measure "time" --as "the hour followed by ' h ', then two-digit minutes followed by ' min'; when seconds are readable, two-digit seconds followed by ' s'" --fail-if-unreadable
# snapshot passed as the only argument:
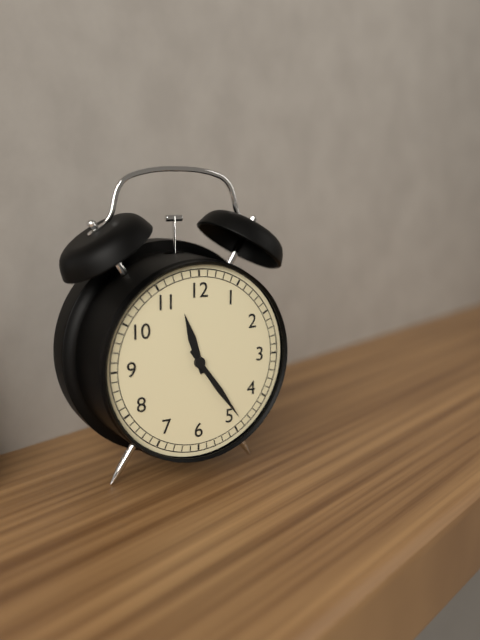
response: 11 h 24 min
